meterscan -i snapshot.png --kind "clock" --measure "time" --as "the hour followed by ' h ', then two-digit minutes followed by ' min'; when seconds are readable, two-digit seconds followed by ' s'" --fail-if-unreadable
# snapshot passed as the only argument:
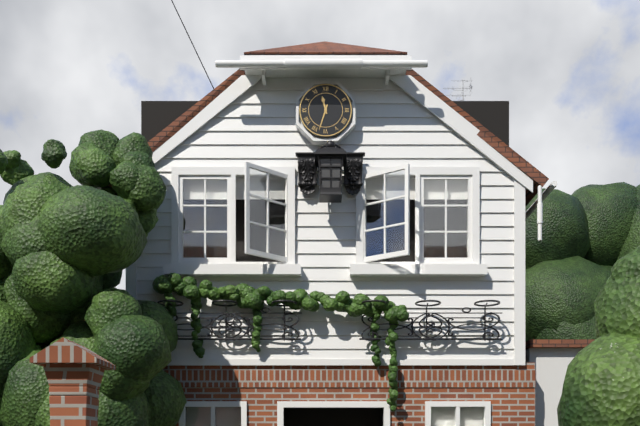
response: 11 h 33 min
